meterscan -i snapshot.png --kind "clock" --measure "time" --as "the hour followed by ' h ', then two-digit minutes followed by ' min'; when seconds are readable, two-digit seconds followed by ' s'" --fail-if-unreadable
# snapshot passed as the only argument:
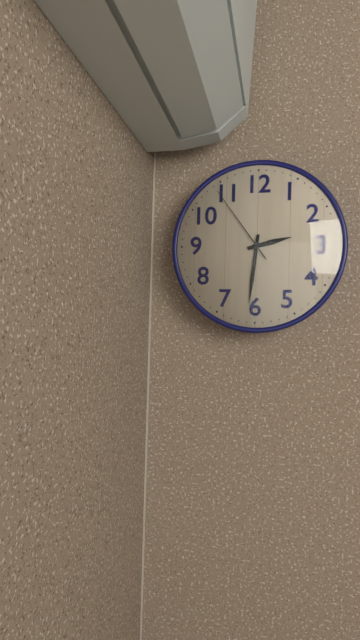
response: 2 h 31 min 54 s
